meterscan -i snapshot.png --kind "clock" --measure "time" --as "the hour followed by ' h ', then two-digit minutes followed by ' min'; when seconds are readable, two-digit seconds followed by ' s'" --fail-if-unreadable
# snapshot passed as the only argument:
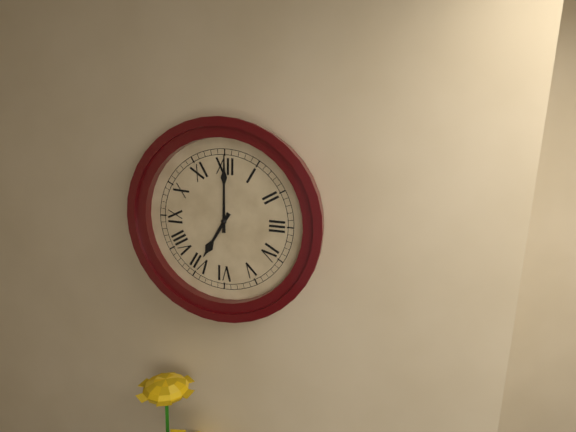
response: 7 h 00 min
